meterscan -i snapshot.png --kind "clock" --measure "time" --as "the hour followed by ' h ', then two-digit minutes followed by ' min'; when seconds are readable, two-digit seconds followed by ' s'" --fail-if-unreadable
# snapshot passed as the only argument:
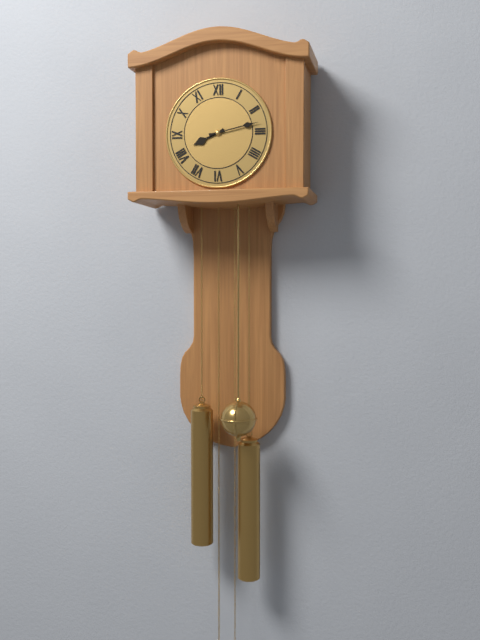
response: 8 h 13 min
